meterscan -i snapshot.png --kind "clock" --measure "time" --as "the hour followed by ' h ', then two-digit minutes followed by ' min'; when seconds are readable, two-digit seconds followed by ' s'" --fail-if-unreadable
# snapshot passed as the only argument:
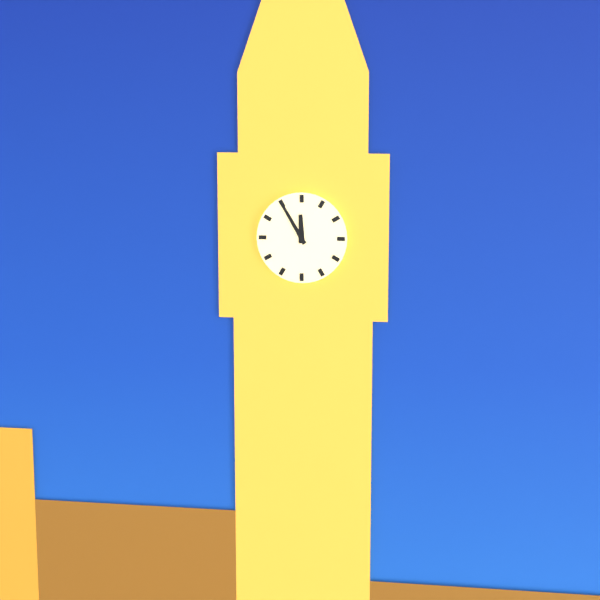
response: 11 h 55 min
